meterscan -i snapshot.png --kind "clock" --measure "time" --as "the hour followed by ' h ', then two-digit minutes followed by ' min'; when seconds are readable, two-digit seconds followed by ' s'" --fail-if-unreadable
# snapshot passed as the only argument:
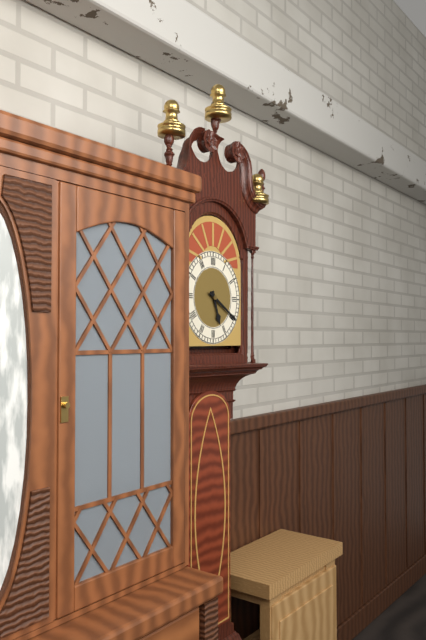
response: 5 h 20 min
